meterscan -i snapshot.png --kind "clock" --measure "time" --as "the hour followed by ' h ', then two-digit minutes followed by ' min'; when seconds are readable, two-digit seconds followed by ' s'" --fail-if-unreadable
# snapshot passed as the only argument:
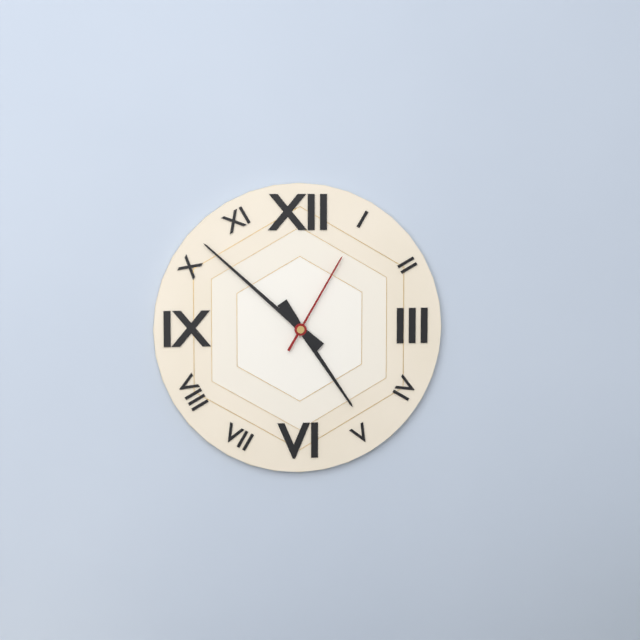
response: 4 h 52 min 05 s
